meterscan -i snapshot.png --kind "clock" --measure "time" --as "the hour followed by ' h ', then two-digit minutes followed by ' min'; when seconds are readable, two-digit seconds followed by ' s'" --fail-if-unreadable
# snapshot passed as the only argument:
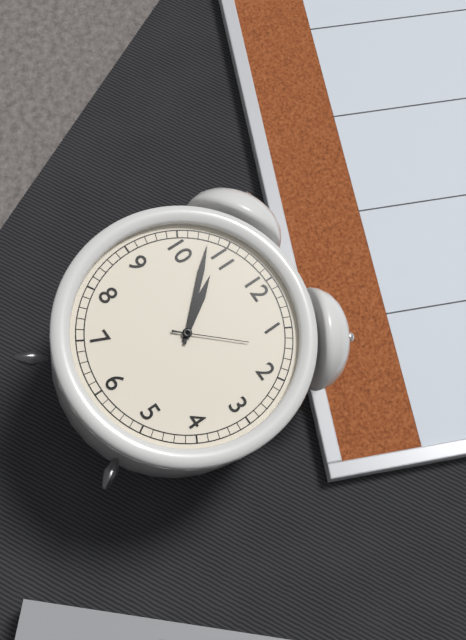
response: 10 h 53 min 07 s
